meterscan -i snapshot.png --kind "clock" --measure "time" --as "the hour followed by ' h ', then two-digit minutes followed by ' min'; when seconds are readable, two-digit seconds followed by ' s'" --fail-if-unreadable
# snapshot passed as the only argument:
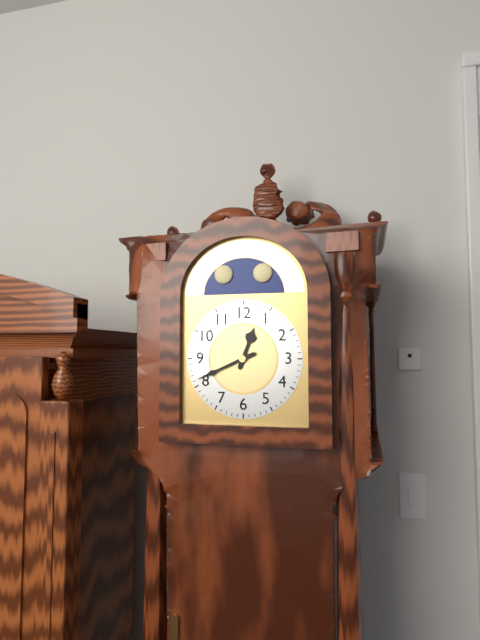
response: 12 h 41 min
